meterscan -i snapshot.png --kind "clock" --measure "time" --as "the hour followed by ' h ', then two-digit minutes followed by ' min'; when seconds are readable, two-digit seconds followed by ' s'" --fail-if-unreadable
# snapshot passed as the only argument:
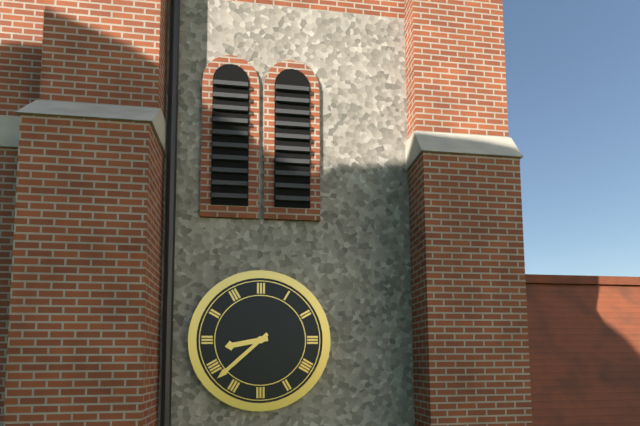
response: 8 h 38 min
